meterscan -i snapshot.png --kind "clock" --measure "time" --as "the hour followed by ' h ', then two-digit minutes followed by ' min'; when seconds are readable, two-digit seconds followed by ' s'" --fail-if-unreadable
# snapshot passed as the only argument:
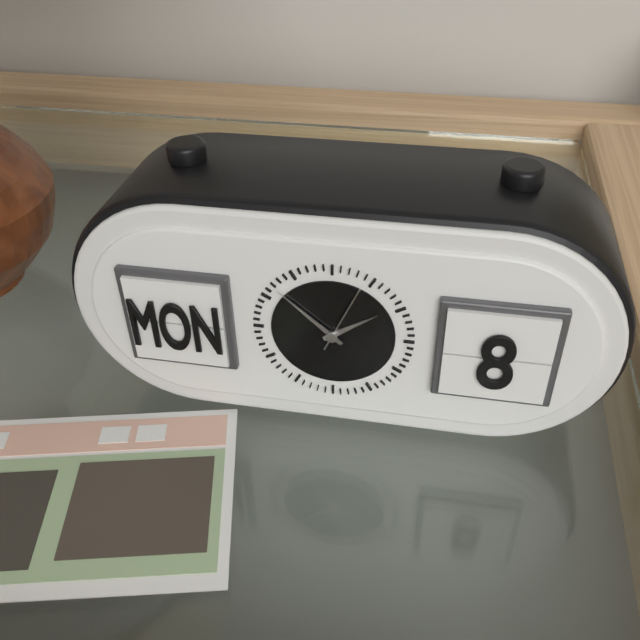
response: 1 h 52 min
